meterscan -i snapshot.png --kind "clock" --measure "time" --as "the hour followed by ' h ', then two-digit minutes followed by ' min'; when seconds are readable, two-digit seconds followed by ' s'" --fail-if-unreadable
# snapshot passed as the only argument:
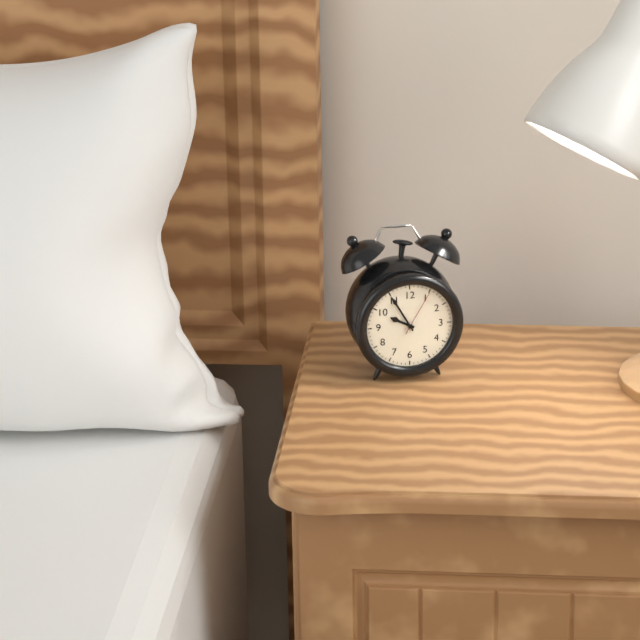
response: 9 h 55 min
